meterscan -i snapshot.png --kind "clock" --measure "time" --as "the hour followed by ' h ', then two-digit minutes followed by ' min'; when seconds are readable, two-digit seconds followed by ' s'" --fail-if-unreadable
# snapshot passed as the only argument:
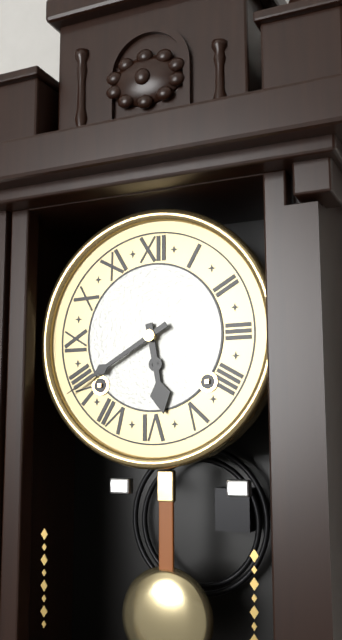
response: 5 h 40 min
